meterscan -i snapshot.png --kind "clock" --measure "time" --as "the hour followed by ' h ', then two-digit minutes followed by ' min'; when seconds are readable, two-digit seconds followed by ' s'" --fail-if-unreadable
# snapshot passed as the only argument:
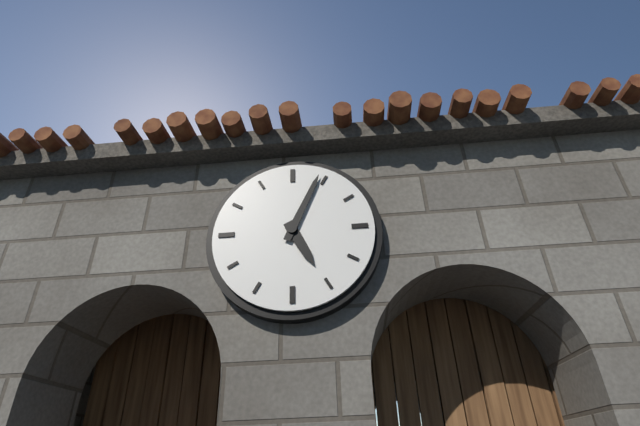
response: 5 h 04 min
